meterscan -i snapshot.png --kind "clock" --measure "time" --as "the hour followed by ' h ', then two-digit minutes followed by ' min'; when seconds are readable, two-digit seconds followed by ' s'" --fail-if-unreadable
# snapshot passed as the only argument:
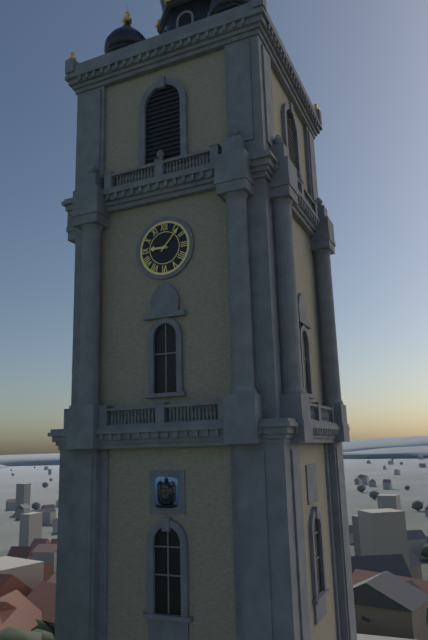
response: 9 h 07 min
